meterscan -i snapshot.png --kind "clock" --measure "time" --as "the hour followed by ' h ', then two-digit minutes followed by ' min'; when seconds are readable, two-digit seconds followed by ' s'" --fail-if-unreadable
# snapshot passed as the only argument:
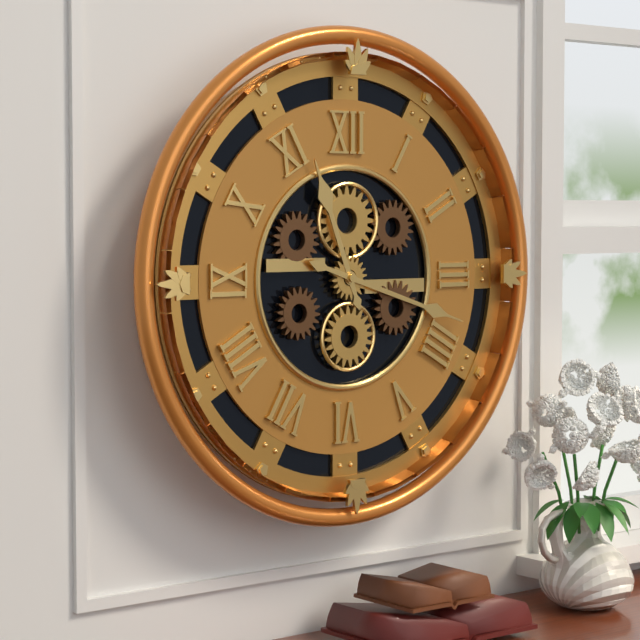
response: 11 h 18 min
